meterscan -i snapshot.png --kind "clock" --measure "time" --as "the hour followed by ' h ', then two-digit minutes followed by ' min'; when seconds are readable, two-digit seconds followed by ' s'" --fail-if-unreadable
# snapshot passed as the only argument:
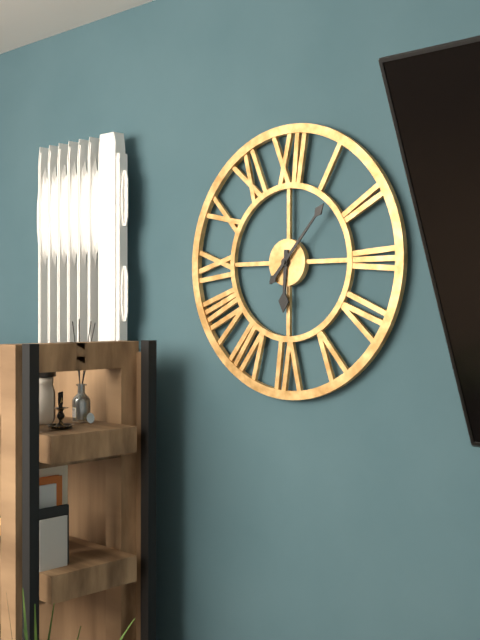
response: 6 h 07 min
